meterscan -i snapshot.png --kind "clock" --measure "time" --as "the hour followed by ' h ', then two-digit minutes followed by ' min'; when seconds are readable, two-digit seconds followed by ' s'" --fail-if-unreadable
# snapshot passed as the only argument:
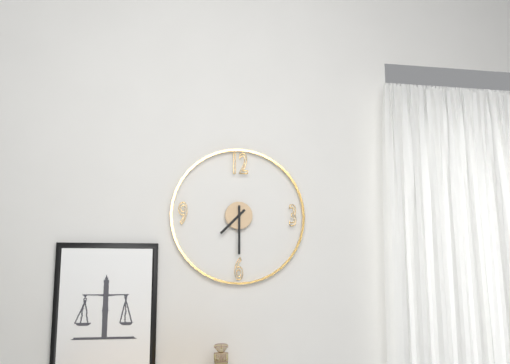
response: 7 h 30 min
